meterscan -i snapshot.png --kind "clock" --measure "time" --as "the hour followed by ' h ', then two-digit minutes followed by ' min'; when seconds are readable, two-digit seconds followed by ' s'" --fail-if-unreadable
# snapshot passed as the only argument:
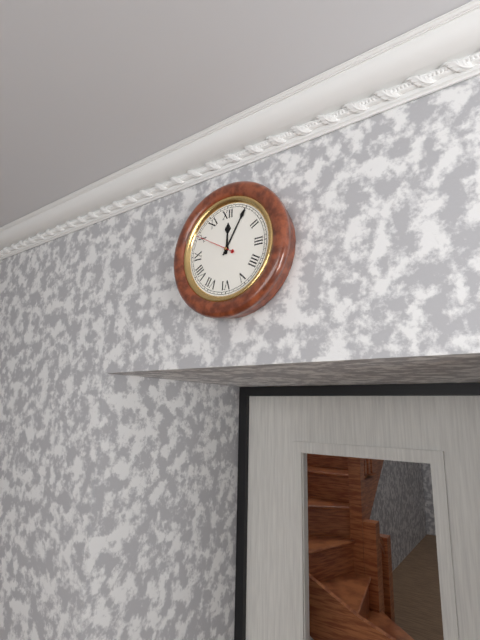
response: 12 h 05 min
